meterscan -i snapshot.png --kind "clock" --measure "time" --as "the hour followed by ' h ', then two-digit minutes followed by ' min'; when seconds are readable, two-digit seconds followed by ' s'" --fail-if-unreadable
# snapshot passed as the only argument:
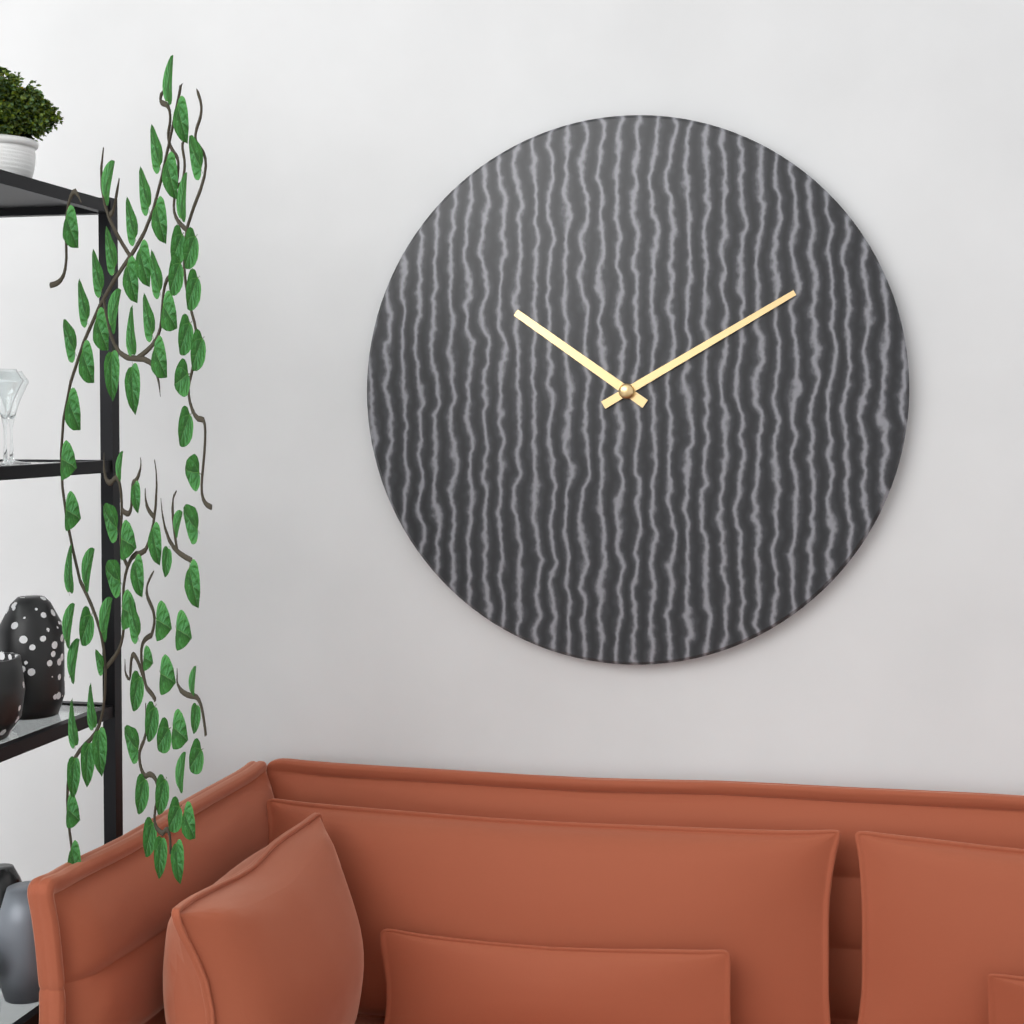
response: 10 h 10 min
